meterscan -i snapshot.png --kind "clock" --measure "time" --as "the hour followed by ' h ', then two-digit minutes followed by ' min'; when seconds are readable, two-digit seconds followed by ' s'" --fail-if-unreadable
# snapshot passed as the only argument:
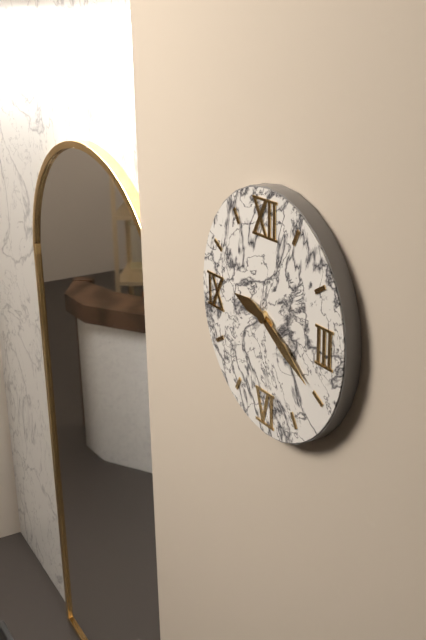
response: 9 h 20 min
